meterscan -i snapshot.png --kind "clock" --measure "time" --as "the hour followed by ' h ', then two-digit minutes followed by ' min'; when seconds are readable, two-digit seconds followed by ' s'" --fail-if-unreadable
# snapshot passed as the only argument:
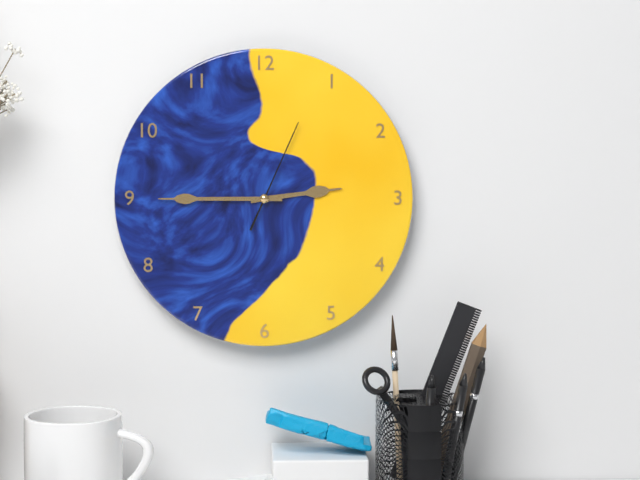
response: 2 h 45 min 04 s
